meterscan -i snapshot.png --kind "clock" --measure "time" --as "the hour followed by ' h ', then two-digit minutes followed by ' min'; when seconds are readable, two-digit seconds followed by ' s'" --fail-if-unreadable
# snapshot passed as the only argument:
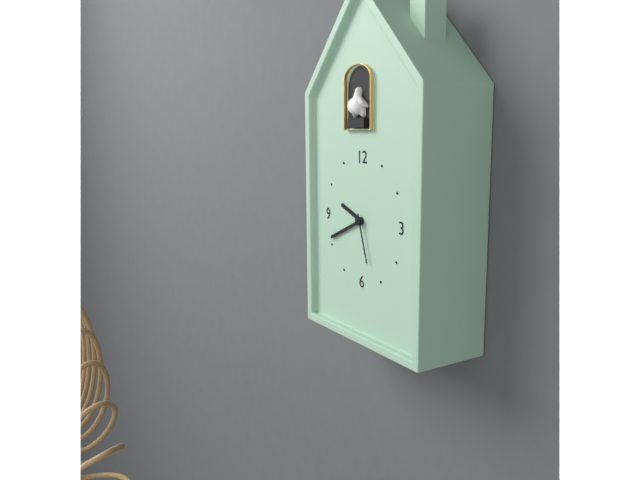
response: 9 h 41 min 27 s
